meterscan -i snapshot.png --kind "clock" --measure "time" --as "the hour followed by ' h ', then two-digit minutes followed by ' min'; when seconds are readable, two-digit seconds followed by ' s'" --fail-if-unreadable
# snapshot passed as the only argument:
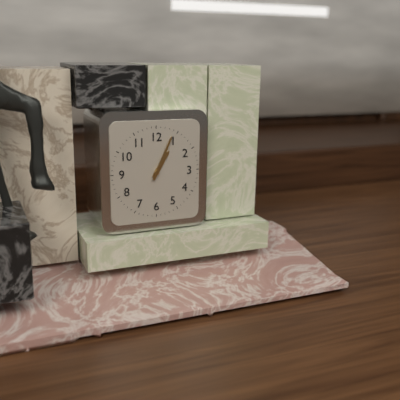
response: 1 h 04 min
